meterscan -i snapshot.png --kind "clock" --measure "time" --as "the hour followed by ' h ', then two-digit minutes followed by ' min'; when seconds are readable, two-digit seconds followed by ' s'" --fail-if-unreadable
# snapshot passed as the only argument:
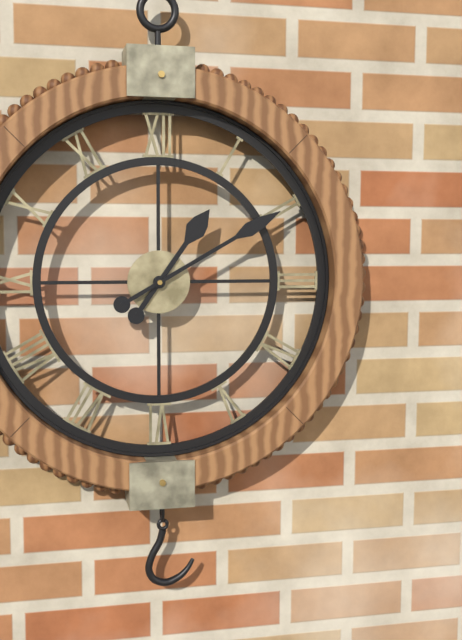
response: 1 h 10 min
